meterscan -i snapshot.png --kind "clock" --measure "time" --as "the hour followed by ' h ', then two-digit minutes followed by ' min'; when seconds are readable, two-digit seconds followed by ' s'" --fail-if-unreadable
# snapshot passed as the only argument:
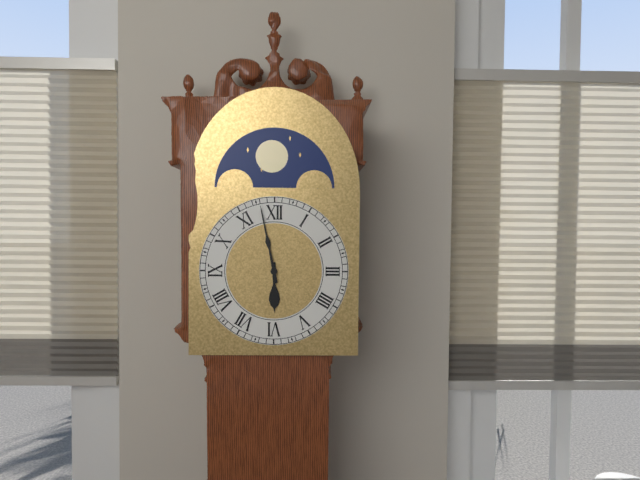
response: 5 h 58 min
